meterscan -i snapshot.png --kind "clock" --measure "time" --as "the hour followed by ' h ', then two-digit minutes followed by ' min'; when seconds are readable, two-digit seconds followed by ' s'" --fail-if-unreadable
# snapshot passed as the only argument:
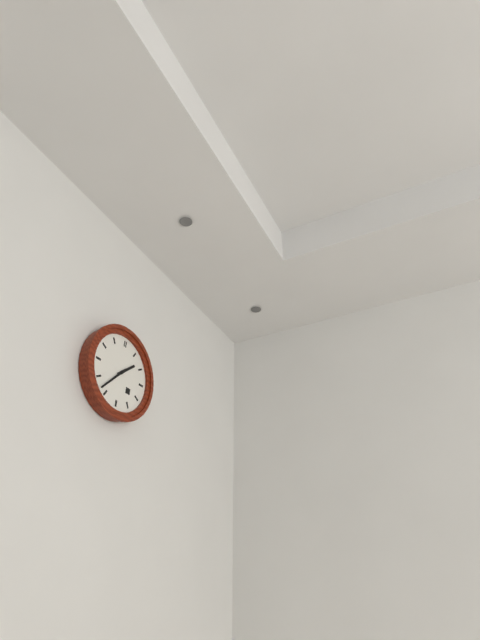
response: 1 h 37 min
